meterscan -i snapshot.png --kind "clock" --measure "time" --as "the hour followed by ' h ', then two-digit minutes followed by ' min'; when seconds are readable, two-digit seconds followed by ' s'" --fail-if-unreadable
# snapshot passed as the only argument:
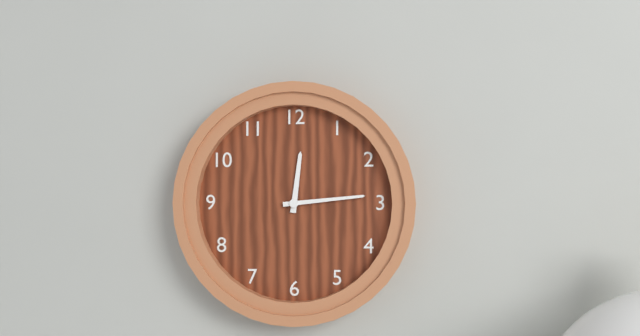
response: 12 h 14 min
